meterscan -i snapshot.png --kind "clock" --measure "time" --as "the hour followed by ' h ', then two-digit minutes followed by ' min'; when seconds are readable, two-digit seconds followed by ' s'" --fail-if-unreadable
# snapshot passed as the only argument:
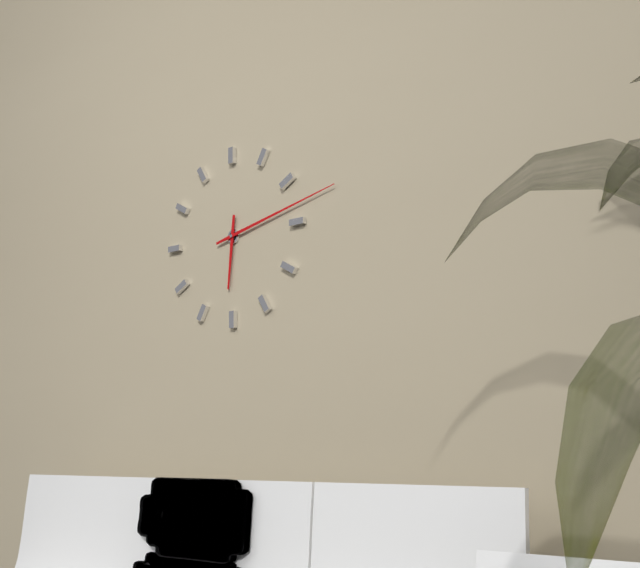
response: 6 h 13 min
